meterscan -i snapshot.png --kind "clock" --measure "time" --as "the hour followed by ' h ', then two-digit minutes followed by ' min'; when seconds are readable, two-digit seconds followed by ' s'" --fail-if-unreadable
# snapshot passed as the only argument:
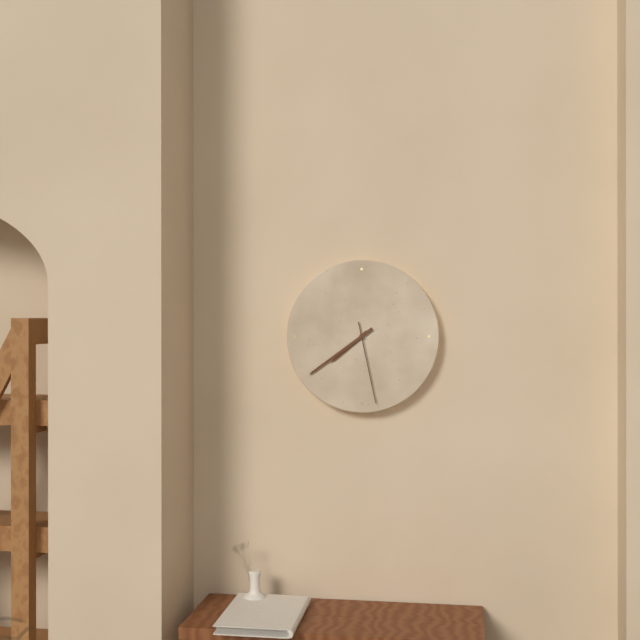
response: 7 h 39 min 28 s
